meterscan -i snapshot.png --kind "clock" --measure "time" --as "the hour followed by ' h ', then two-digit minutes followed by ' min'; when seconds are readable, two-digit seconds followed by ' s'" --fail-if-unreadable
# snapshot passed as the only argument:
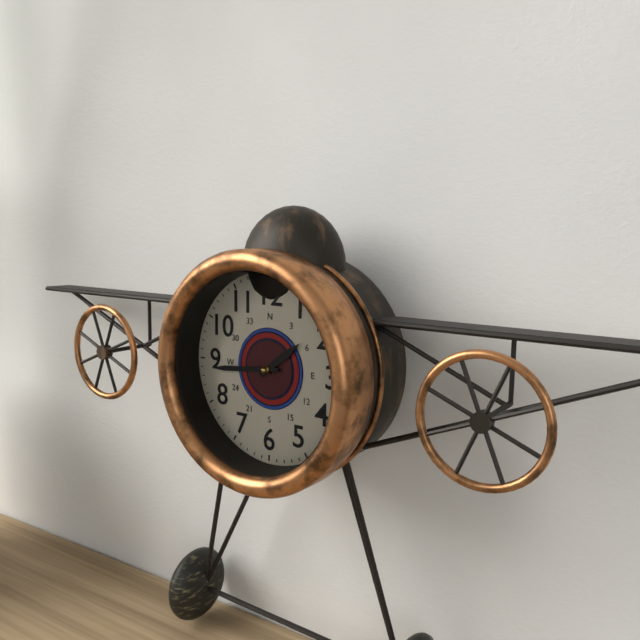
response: 1 h 44 min
